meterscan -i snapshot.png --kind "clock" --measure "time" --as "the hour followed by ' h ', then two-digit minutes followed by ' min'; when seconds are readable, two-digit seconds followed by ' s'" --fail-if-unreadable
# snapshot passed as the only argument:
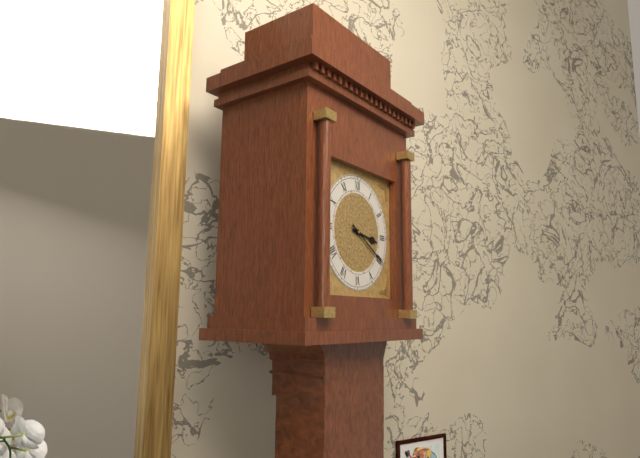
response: 3 h 20 min
